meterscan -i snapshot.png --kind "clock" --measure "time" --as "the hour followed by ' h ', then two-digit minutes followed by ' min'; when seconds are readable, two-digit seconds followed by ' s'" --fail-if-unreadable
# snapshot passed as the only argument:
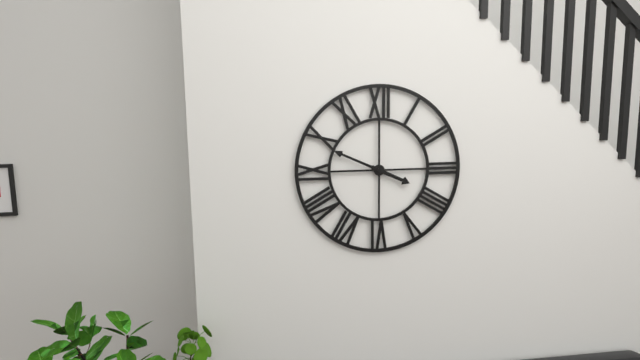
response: 3 h 49 min
